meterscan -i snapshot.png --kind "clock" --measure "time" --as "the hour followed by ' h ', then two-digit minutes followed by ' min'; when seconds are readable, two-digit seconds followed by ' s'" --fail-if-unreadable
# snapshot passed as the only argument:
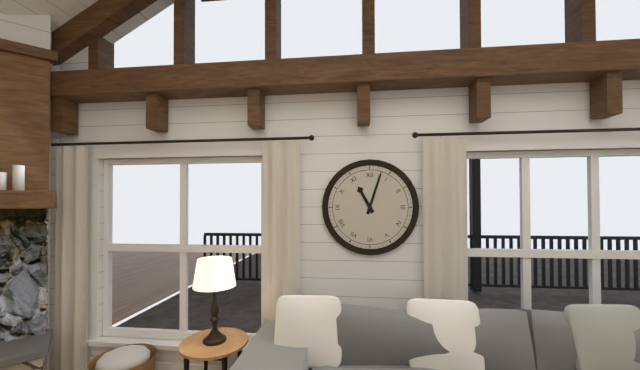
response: 11 h 03 min
